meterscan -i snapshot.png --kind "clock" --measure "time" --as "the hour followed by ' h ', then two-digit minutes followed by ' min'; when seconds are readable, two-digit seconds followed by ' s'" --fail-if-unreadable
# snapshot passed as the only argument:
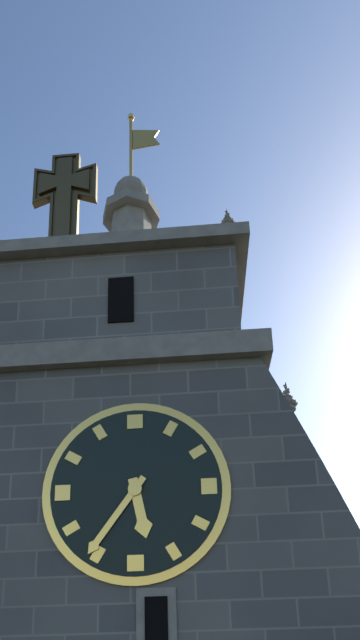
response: 5 h 36 min
